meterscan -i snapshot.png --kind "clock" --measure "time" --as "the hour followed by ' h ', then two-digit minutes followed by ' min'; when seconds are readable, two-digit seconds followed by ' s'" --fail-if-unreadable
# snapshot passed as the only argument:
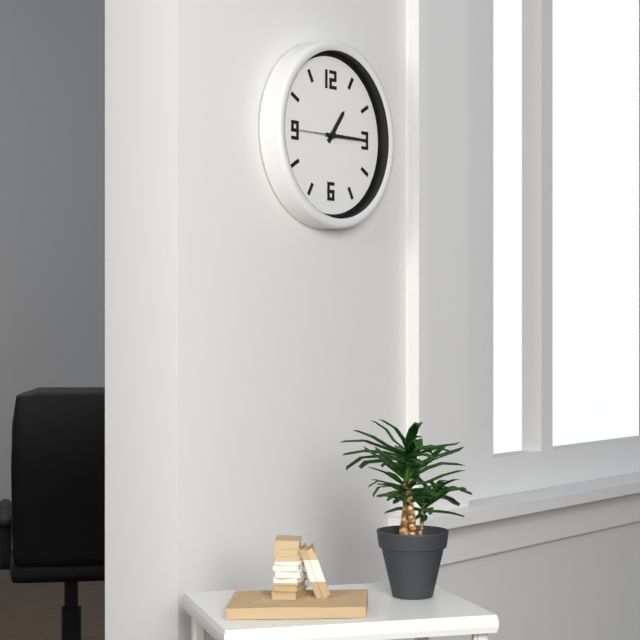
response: 1 h 15 min
